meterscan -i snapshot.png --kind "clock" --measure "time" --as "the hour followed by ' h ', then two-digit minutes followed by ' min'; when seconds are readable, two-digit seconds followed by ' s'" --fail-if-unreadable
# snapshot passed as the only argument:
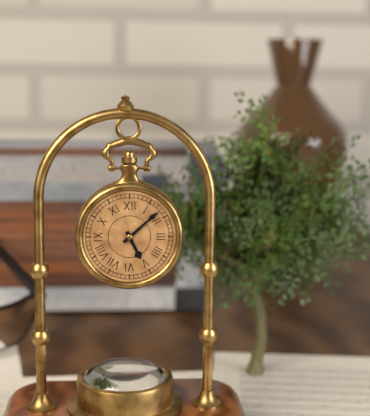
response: 5 h 08 min
